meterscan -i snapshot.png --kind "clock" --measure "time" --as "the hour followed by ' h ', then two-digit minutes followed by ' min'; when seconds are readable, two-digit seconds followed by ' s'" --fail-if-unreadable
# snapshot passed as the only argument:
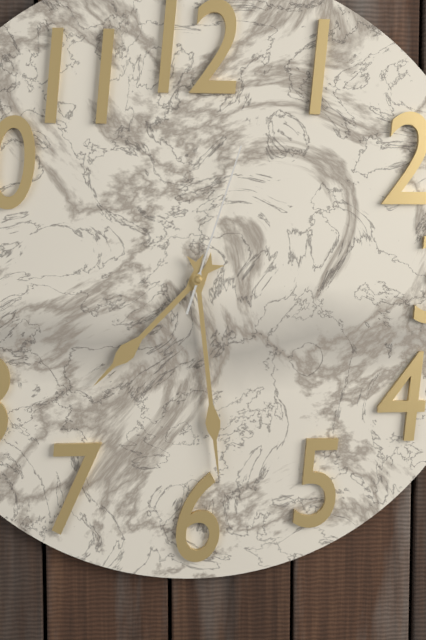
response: 7 h 29 min 03 s
